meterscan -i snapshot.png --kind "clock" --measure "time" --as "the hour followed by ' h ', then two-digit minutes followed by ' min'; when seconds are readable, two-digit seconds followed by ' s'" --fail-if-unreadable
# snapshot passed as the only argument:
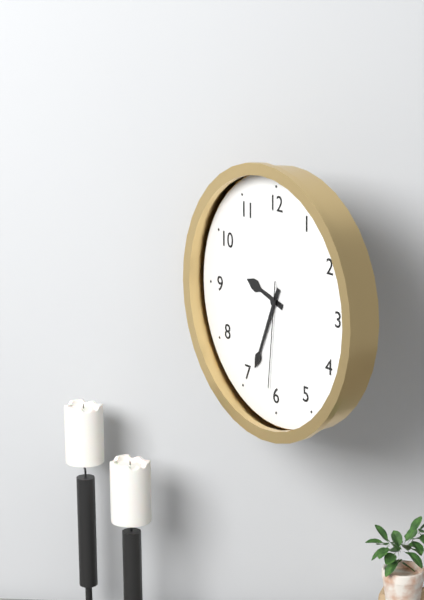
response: 9 h 34 min 31 s
